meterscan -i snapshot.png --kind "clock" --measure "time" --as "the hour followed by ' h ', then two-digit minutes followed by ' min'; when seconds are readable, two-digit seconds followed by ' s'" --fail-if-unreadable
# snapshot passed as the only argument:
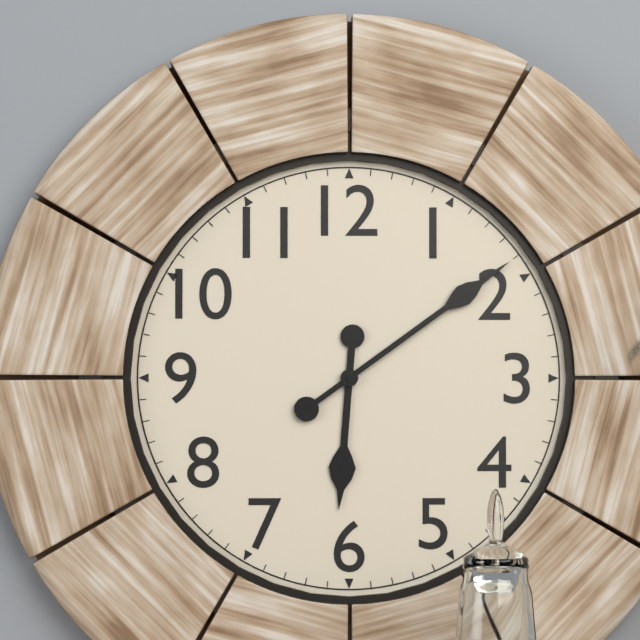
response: 6 h 09 min
